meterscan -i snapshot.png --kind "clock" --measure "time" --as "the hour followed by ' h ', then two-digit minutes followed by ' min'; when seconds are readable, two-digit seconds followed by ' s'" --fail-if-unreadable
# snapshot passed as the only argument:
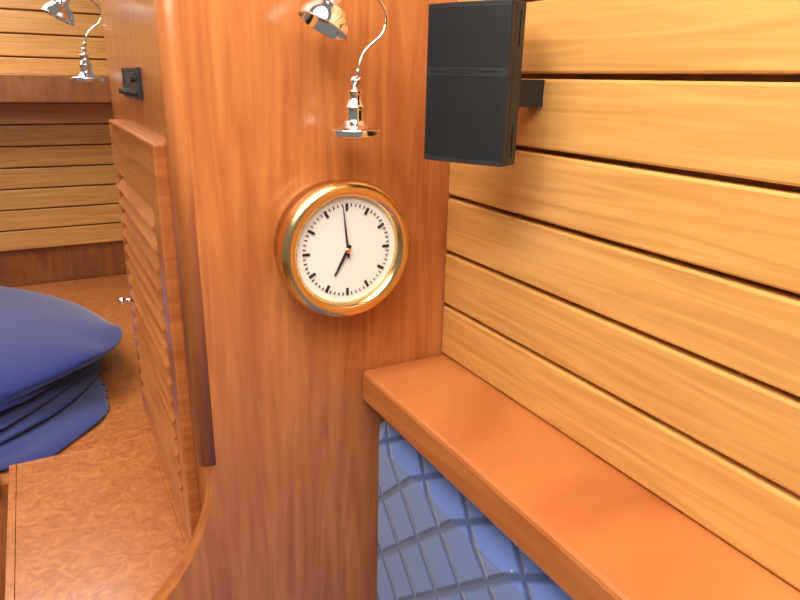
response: 6 h 59 min
